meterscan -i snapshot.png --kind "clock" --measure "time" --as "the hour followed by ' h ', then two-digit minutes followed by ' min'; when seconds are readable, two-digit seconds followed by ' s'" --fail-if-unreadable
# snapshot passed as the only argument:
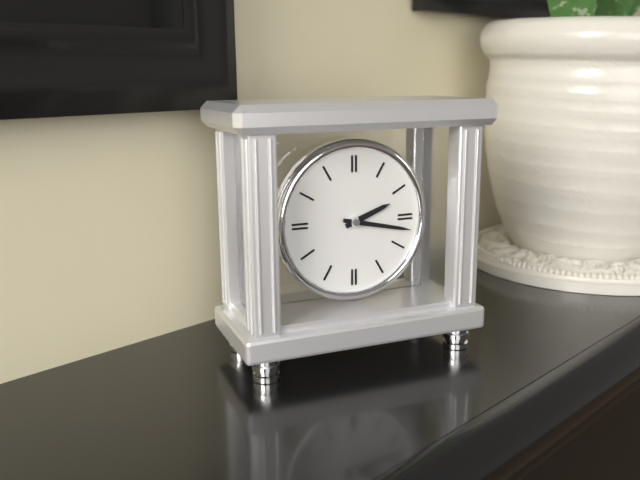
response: 2 h 17 min
